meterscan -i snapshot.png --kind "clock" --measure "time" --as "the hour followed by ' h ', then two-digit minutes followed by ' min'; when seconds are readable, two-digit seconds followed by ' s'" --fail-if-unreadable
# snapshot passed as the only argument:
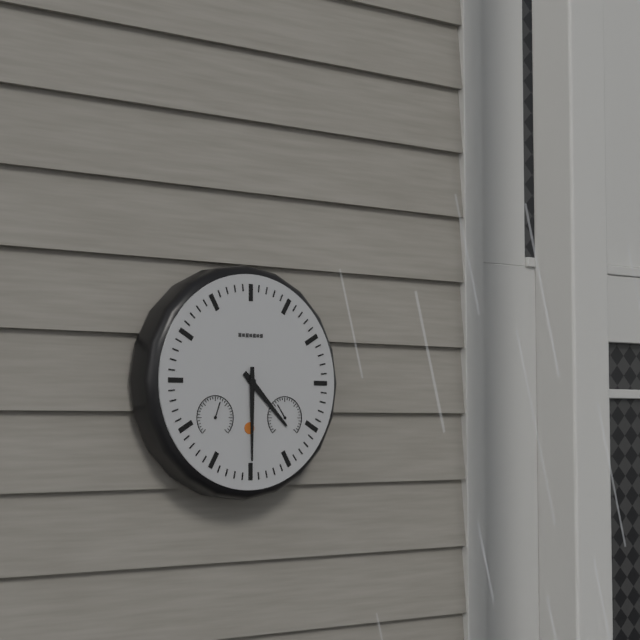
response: 4 h 30 min
